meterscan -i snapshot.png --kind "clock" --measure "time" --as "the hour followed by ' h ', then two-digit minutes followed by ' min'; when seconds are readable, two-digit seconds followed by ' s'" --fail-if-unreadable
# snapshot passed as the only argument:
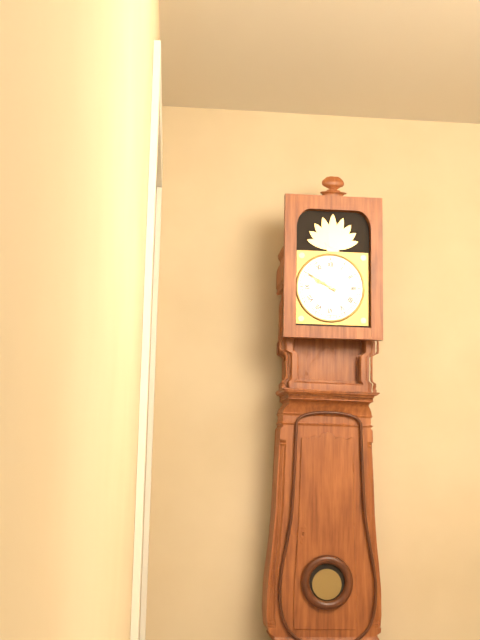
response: 9 h 50 min
